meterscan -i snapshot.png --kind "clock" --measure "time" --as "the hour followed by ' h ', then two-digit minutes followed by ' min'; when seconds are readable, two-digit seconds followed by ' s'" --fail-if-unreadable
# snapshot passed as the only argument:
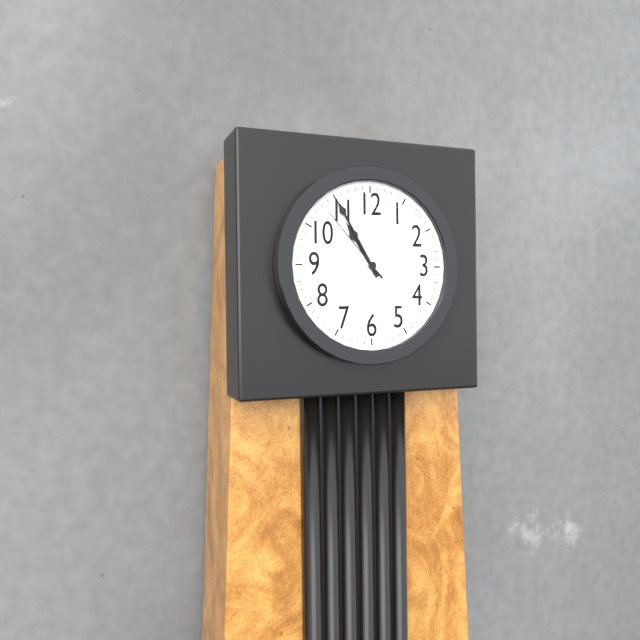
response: 10 h 55 min 53 s
